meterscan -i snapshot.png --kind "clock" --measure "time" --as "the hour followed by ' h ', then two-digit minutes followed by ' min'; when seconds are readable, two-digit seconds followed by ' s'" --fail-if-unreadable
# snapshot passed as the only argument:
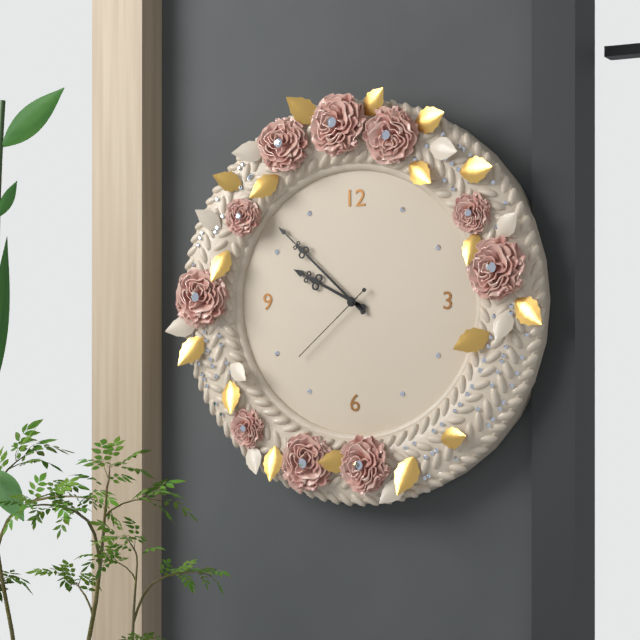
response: 9 h 52 min 38 s
